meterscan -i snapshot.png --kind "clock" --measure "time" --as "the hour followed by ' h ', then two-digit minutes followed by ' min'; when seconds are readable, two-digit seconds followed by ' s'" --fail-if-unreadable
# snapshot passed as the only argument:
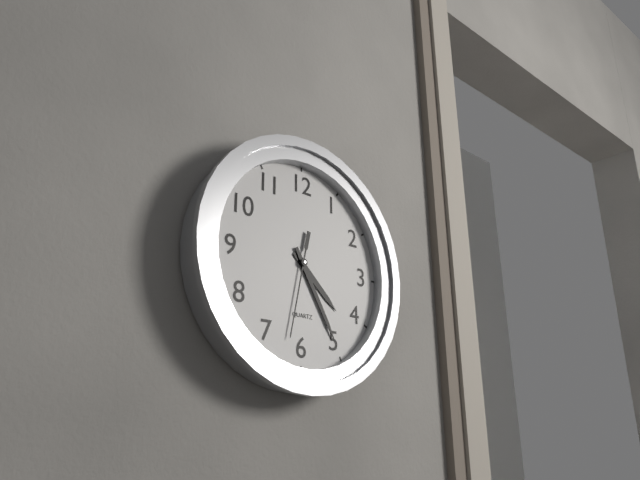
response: 4 h 25 min 32 s
